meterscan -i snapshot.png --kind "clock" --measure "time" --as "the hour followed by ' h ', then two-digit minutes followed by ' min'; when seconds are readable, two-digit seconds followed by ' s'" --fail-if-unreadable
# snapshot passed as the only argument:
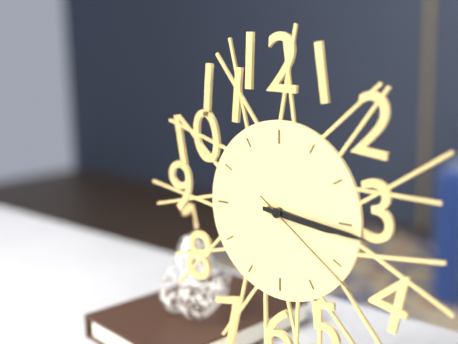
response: 3 h 16 min 21 s
